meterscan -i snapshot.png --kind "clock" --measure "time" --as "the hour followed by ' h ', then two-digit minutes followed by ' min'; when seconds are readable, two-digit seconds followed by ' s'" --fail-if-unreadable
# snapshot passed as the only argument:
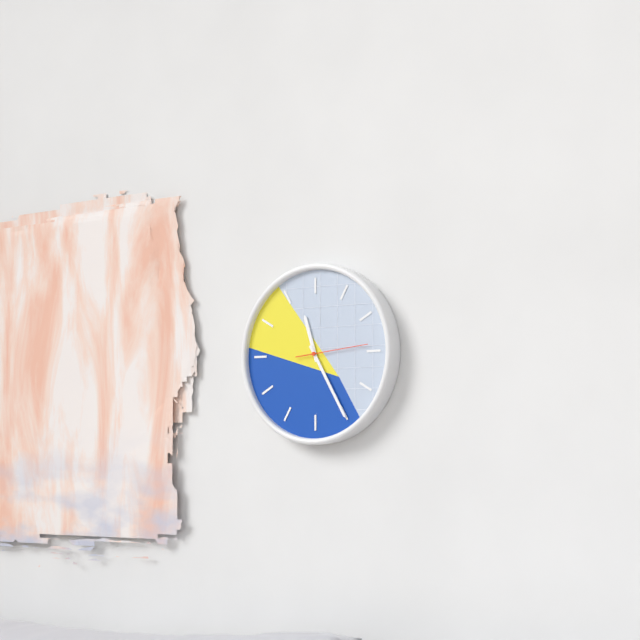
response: 11 h 25 min 14 s
